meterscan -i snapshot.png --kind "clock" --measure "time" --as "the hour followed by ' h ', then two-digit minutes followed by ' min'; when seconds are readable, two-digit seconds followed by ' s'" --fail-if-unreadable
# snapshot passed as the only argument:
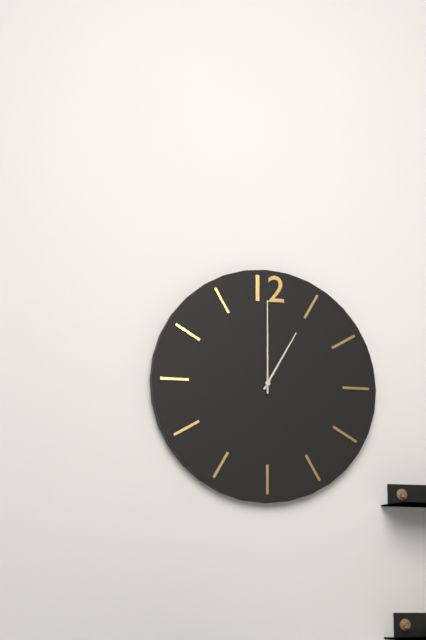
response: 1 h 00 min
